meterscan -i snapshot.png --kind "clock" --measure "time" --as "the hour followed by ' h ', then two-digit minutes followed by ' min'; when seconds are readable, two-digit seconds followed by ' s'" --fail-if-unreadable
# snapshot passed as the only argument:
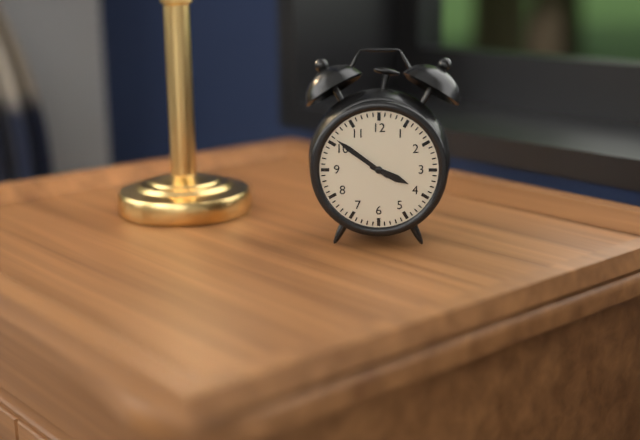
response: 3 h 51 min
